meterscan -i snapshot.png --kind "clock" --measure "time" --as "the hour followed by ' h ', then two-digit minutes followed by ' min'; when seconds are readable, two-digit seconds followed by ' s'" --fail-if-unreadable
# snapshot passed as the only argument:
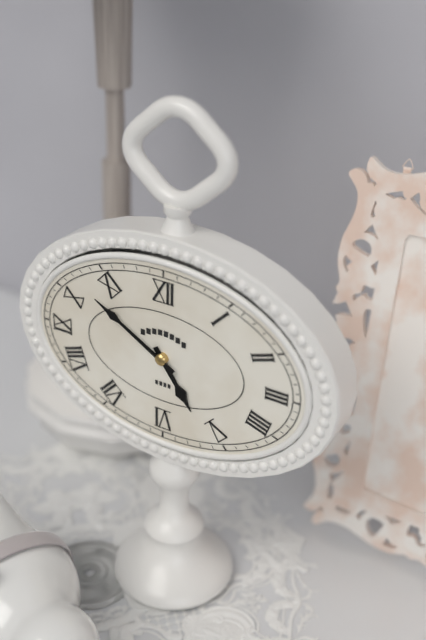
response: 4 h 50 min
